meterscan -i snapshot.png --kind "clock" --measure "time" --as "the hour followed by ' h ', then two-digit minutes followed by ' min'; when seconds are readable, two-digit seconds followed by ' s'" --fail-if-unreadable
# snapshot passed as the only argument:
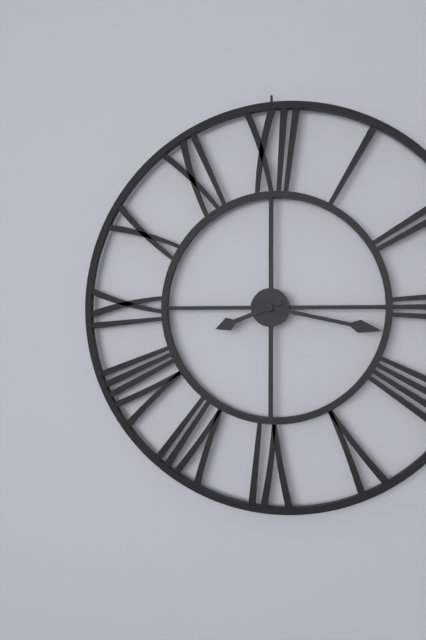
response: 8 h 17 min
